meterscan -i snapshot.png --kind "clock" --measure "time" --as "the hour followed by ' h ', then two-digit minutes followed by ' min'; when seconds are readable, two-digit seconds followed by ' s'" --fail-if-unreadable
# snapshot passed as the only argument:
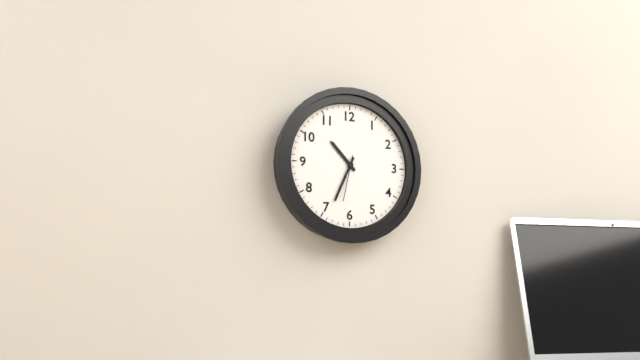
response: 10 h 34 min
